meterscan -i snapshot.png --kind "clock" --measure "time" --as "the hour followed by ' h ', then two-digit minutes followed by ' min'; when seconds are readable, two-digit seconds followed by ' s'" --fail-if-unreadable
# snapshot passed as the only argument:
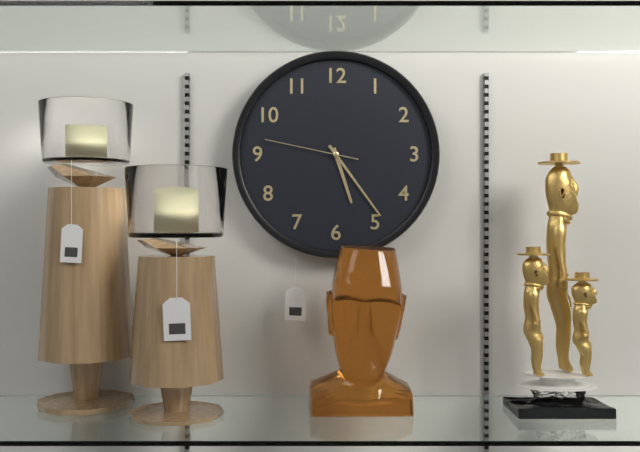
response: 5 h 24 min 47 s
